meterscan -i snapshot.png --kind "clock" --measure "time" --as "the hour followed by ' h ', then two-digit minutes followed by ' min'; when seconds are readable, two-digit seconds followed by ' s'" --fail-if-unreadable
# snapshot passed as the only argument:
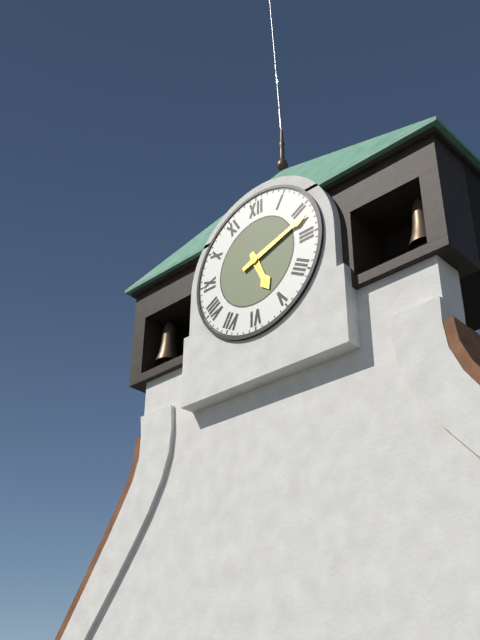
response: 5 h 12 min
